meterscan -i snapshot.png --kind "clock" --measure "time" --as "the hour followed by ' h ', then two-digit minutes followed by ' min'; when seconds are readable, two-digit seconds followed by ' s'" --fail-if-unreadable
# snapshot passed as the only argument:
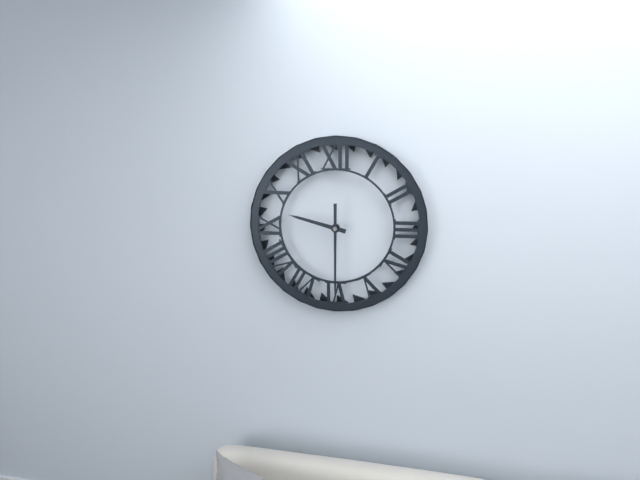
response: 9 h 30 min
